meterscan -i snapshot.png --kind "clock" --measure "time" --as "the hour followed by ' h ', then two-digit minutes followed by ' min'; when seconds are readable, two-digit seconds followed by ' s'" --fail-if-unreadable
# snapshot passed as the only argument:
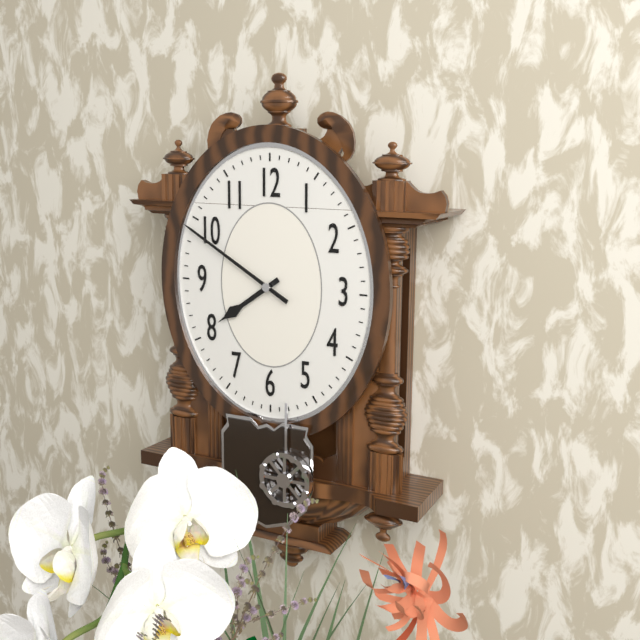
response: 7 h 50 min
